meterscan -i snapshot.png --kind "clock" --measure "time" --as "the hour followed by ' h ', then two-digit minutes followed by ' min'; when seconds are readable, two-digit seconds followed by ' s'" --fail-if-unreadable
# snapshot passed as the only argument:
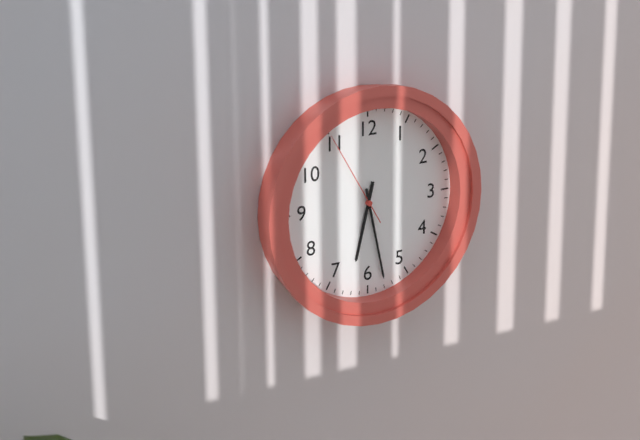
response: 6 h 28 min 55 s
